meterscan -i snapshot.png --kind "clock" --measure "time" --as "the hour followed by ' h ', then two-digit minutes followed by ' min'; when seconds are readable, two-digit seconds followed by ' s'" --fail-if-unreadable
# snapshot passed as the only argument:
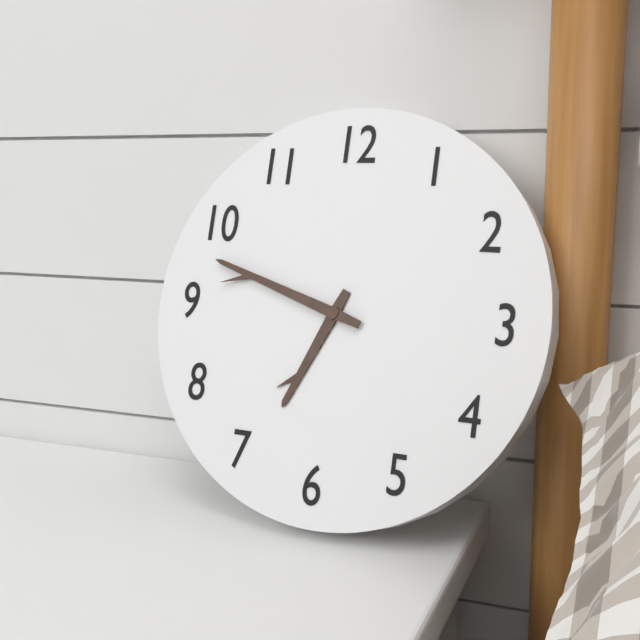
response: 6 h 48 min
